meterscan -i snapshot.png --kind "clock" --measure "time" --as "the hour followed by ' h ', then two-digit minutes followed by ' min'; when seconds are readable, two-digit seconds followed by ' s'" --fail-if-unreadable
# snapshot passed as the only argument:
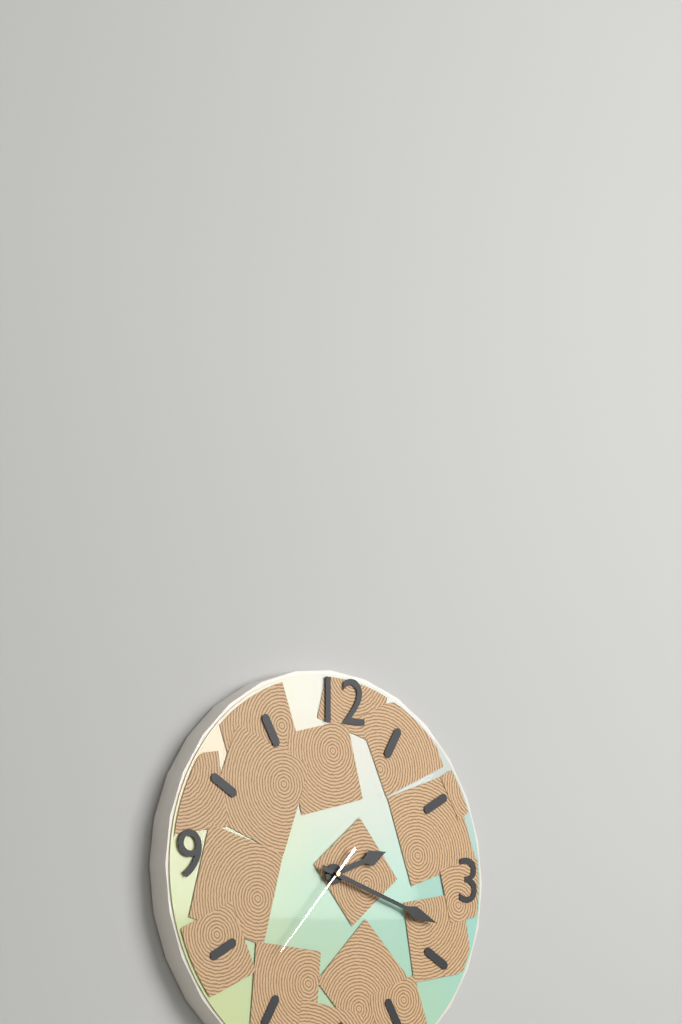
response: 2 h 18 min 37 s
